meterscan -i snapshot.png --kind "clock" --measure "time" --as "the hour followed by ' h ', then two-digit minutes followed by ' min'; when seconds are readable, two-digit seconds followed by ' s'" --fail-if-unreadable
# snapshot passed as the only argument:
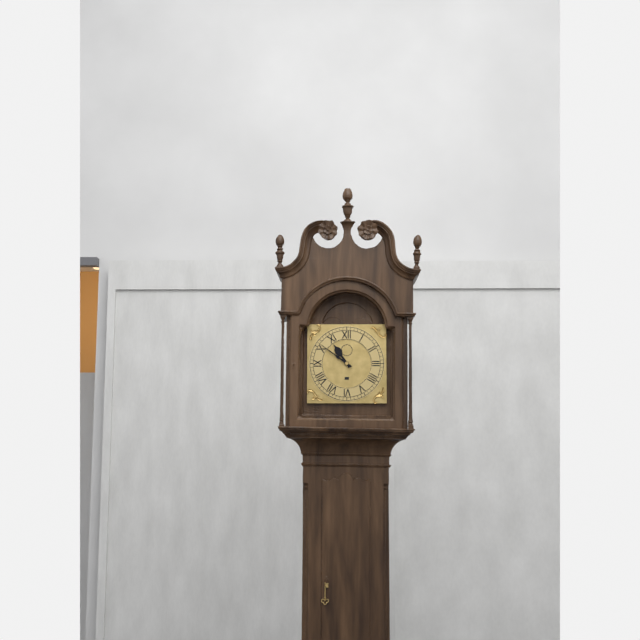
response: 10 h 51 min
